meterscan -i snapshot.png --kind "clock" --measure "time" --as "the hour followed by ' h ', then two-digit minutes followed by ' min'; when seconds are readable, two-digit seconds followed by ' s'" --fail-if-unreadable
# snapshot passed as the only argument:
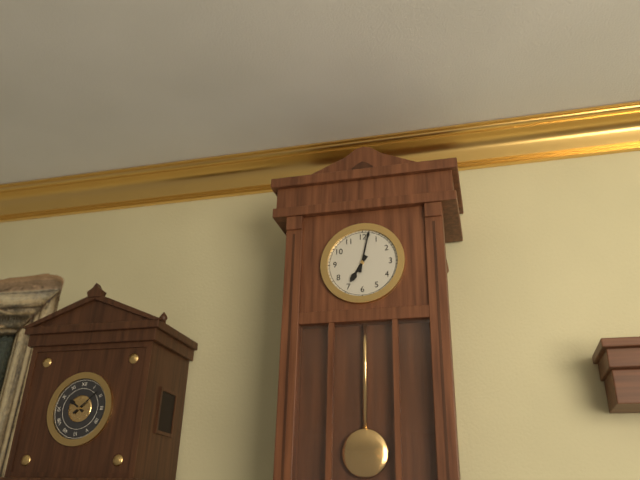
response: 7 h 02 min
